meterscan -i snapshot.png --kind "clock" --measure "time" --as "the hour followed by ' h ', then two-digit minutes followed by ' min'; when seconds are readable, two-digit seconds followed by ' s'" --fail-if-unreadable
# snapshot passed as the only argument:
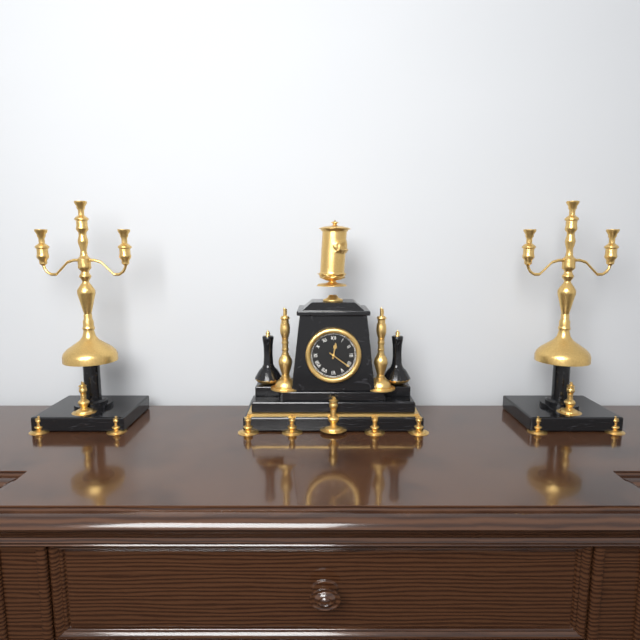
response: 12 h 21 min
